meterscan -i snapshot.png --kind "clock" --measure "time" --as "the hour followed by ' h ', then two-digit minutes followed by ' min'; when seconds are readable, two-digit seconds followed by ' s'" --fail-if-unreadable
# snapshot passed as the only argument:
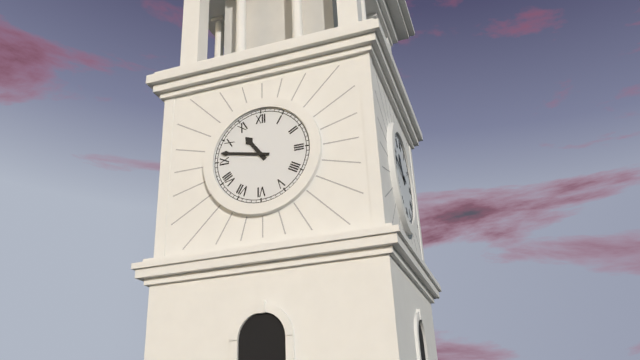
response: 10 h 47 min
